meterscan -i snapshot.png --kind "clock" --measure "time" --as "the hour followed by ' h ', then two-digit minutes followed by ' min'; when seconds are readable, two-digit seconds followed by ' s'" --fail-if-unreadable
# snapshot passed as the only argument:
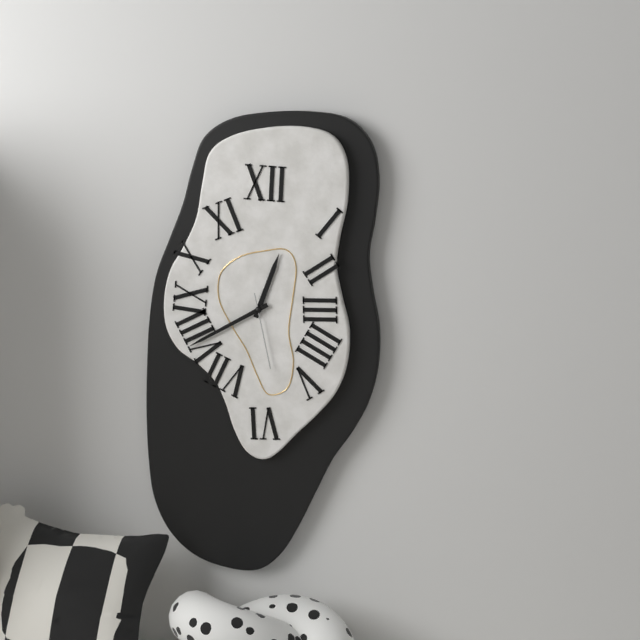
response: 12 h 40 min 28 s
